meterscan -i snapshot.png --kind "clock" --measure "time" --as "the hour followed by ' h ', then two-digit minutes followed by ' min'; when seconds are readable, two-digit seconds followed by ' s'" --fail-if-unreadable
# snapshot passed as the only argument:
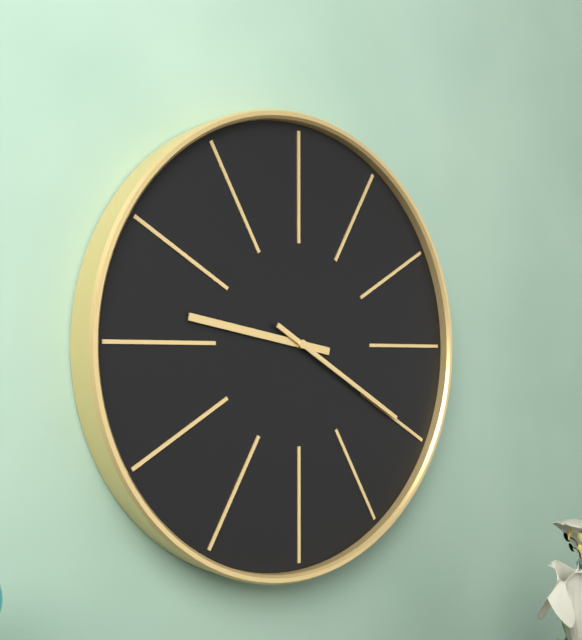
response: 9 h 20 min
